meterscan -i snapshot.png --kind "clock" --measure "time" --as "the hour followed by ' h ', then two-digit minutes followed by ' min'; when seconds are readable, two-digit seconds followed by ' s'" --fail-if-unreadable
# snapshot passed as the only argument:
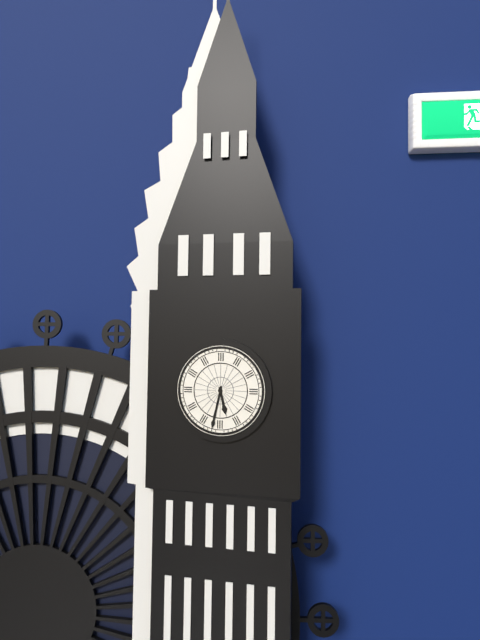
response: 5 h 32 min
